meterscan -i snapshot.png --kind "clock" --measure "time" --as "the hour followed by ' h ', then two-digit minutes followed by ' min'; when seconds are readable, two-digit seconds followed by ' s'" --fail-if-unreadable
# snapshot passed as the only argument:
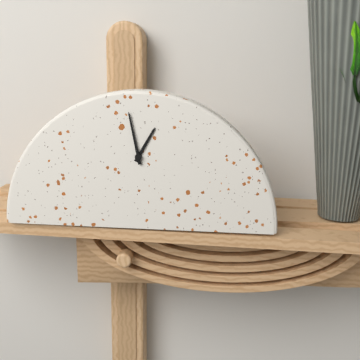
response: 12 h 58 min
